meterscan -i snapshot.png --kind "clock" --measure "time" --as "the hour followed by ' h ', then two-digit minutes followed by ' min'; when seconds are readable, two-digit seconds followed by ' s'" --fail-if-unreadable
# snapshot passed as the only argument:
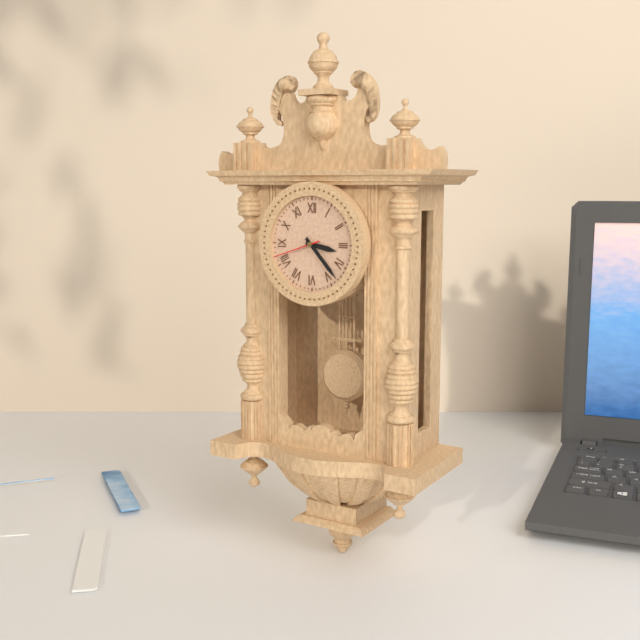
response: 3 h 23 min 42 s
